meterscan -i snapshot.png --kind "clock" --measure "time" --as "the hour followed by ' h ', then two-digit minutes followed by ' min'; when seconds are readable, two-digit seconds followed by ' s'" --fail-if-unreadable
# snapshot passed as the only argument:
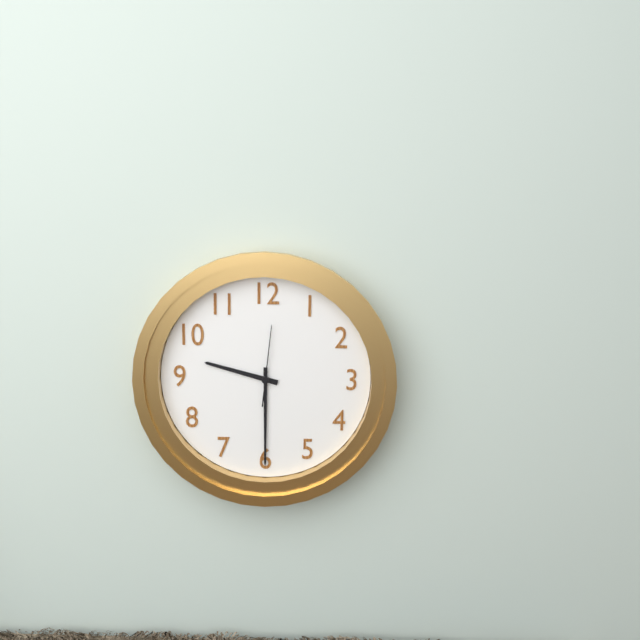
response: 9 h 30 min 01 s
